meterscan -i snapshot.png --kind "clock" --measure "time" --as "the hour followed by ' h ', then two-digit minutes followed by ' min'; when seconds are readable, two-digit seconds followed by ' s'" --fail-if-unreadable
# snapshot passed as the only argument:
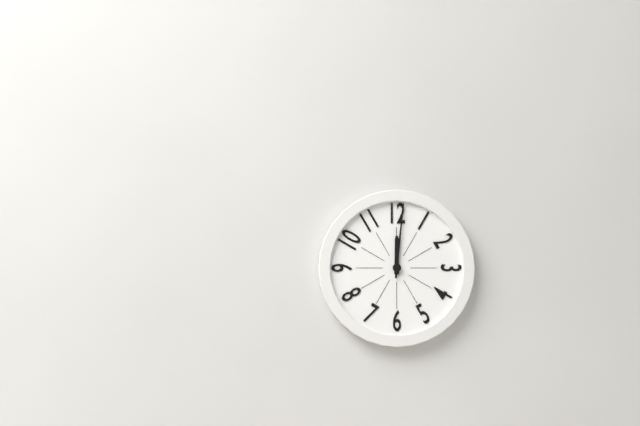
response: 12 h 01 min
